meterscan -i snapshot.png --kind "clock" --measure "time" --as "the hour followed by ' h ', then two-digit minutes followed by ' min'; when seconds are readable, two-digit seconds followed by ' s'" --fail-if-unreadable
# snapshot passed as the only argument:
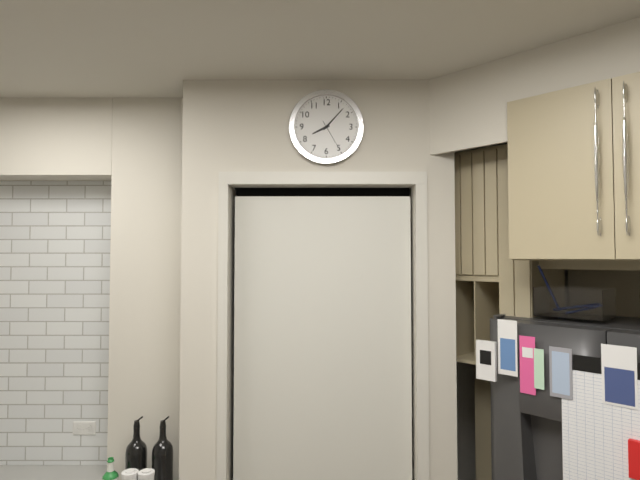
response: 8 h 07 min
